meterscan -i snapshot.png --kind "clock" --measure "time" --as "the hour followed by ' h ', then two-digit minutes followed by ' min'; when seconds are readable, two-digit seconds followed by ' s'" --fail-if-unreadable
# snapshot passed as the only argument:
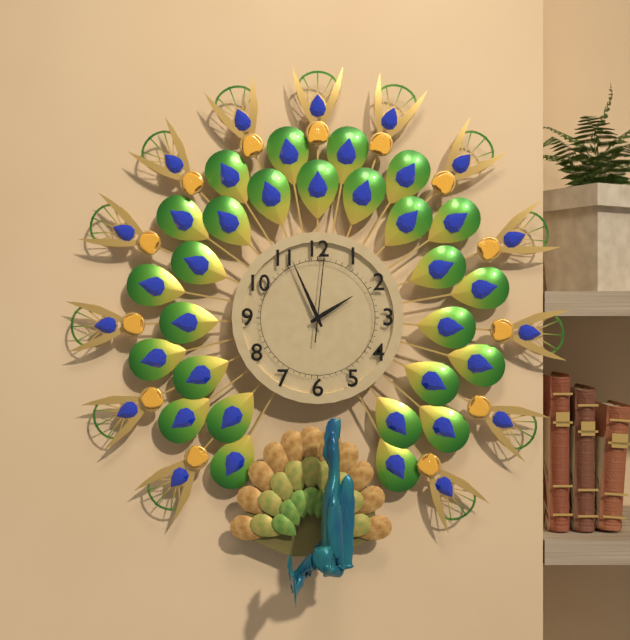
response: 1 h 56 min 01 s
